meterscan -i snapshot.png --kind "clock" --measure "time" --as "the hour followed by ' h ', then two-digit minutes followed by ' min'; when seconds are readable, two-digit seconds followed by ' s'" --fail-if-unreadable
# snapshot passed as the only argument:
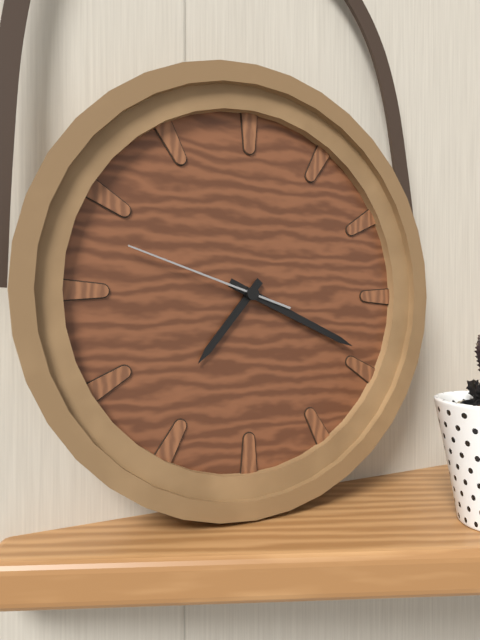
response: 7 h 19 min 48 s
